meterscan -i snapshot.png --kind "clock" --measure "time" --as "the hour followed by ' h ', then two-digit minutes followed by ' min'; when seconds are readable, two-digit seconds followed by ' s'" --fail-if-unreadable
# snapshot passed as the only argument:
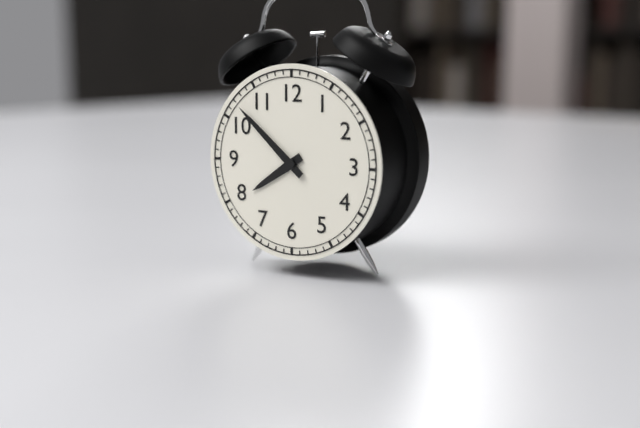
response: 7 h 52 min
